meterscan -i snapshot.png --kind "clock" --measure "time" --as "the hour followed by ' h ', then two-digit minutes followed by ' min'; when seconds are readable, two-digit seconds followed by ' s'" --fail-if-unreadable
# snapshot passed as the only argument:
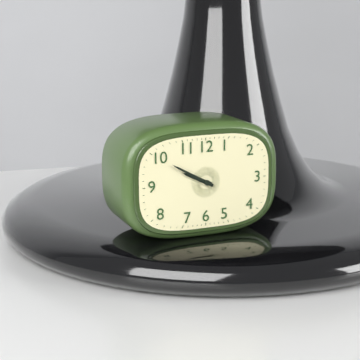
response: 9 h 50 min
